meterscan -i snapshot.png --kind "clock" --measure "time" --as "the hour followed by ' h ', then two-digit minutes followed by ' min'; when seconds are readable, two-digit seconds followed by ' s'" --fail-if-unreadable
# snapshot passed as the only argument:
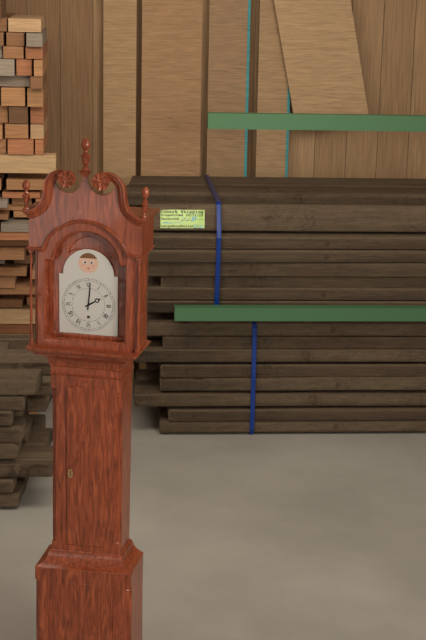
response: 2 h 01 min
